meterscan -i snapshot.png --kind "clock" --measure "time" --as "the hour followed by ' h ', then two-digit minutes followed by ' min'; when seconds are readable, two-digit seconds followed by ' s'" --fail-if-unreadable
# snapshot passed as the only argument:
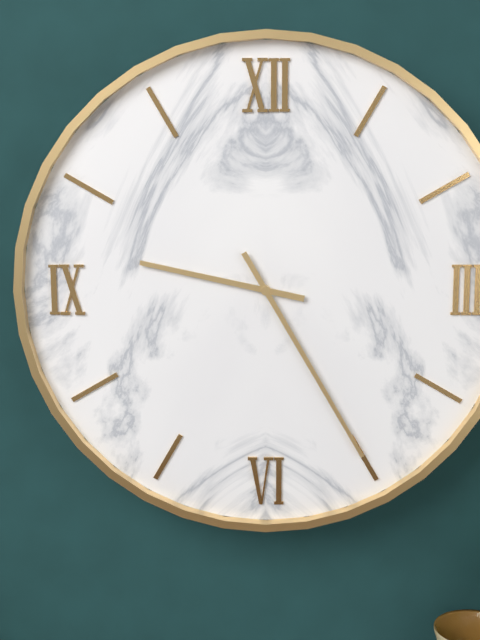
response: 9 h 25 min
